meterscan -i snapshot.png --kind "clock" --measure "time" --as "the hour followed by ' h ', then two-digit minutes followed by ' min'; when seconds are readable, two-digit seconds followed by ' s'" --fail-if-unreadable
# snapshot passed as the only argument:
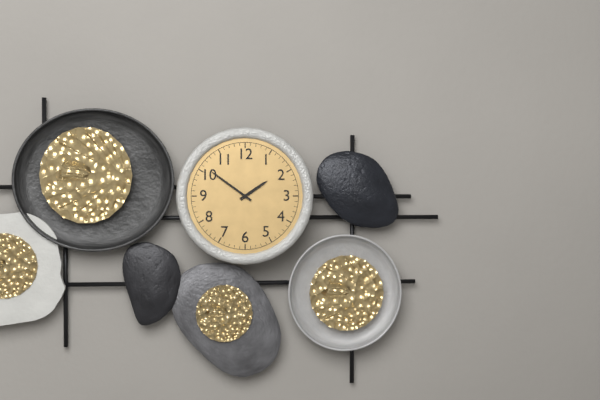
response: 1 h 51 min
